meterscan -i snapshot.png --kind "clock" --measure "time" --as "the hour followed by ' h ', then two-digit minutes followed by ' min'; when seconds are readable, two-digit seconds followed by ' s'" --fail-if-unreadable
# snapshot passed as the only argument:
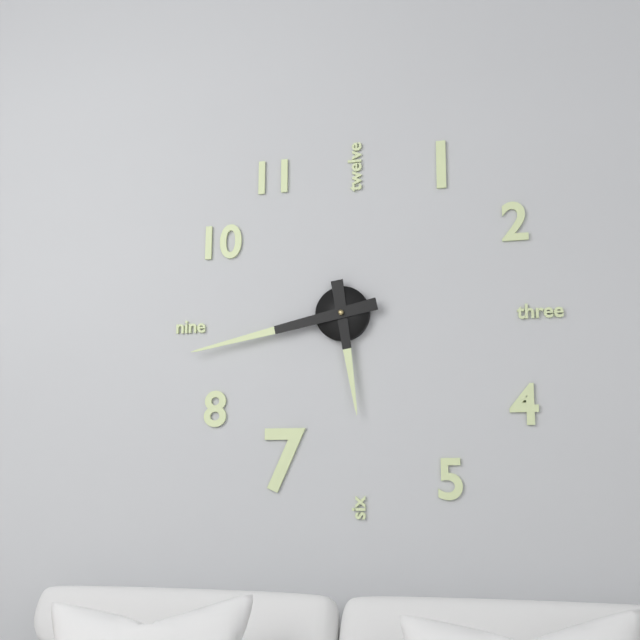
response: 5 h 43 min
